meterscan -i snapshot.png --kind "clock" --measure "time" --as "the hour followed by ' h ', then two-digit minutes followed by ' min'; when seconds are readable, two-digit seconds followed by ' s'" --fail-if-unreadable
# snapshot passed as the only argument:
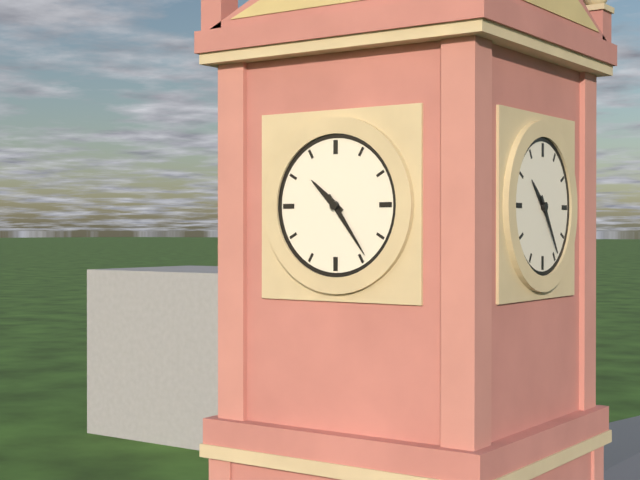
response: 10 h 24 min
